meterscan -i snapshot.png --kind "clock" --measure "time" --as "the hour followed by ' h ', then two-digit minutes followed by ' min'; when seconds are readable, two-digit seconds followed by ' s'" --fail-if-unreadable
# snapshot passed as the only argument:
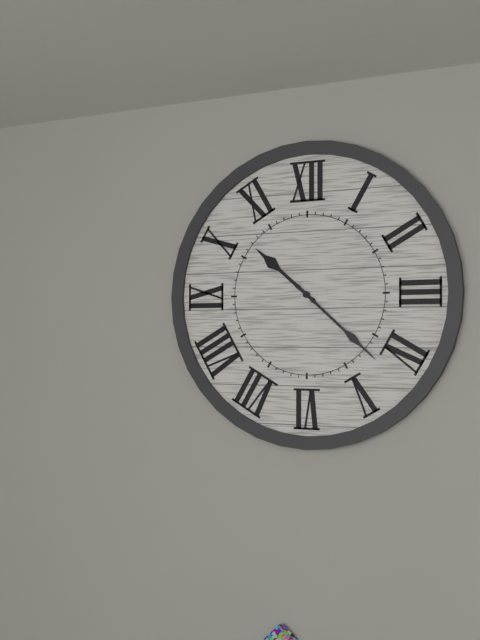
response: 10 h 22 min
